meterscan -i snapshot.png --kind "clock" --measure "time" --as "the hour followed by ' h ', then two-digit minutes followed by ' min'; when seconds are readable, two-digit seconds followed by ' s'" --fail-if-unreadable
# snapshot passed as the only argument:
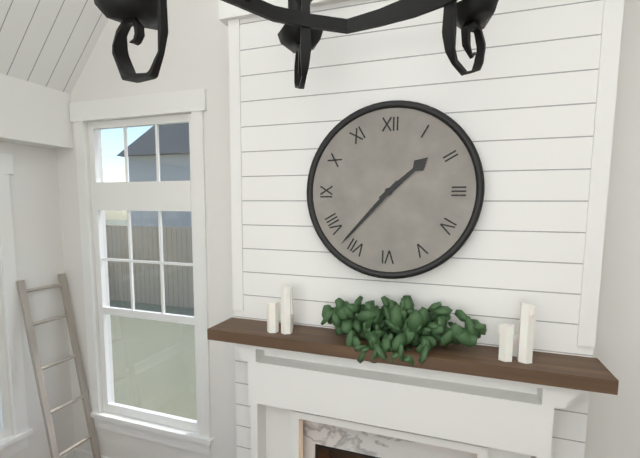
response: 1 h 37 min
